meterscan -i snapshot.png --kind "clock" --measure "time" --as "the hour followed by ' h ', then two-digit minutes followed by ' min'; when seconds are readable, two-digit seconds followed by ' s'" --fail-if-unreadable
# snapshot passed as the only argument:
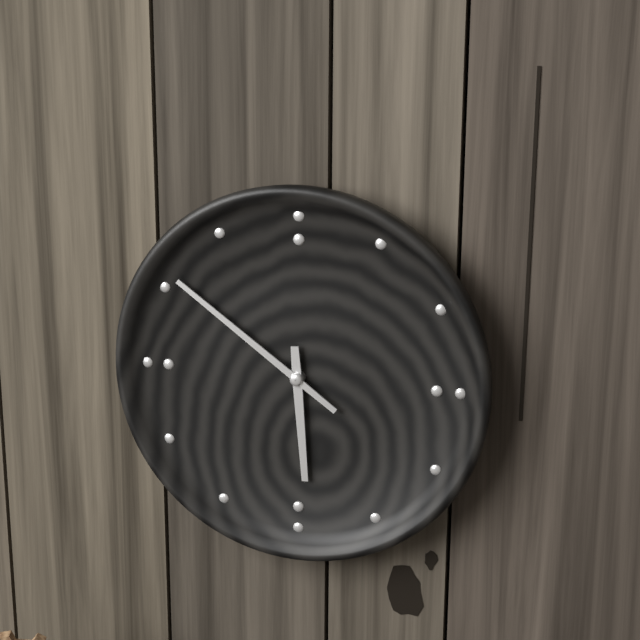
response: 5 h 51 min
